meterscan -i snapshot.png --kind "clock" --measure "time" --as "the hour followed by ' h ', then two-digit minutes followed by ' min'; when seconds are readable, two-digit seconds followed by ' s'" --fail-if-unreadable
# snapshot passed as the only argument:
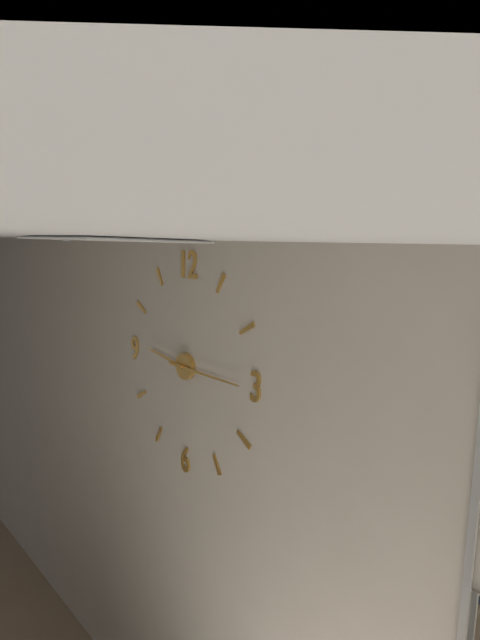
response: 9 h 15 min
